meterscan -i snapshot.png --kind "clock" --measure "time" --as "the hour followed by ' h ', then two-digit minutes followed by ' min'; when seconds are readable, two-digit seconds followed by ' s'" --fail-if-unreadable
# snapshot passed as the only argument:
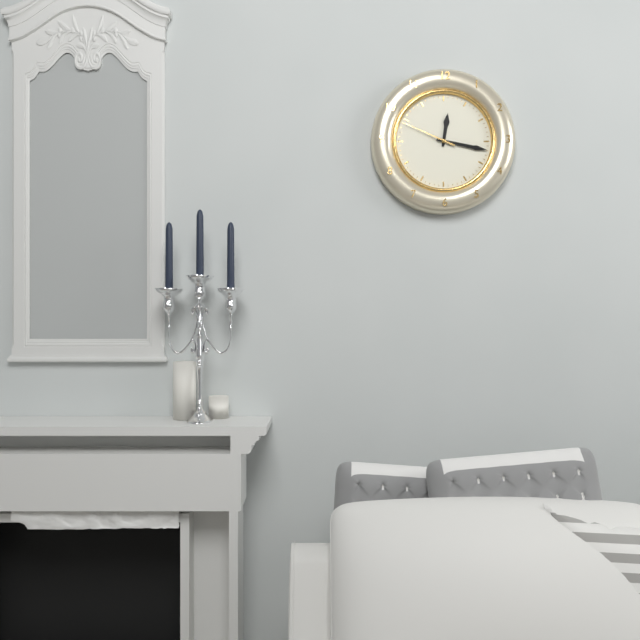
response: 12 h 17 min 49 s
